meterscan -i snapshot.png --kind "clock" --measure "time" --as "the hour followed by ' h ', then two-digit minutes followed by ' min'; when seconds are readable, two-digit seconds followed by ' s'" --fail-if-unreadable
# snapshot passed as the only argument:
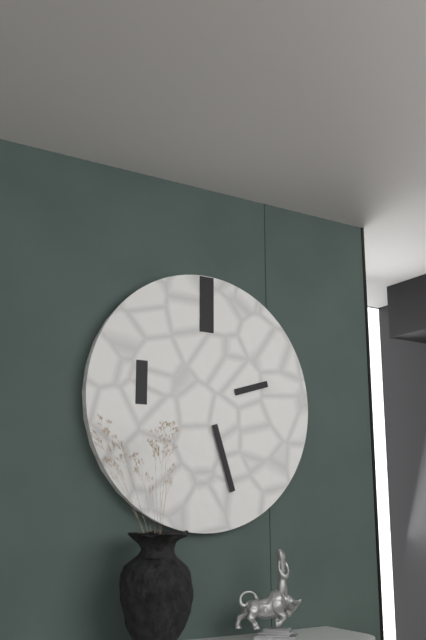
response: 2 h 27 min
